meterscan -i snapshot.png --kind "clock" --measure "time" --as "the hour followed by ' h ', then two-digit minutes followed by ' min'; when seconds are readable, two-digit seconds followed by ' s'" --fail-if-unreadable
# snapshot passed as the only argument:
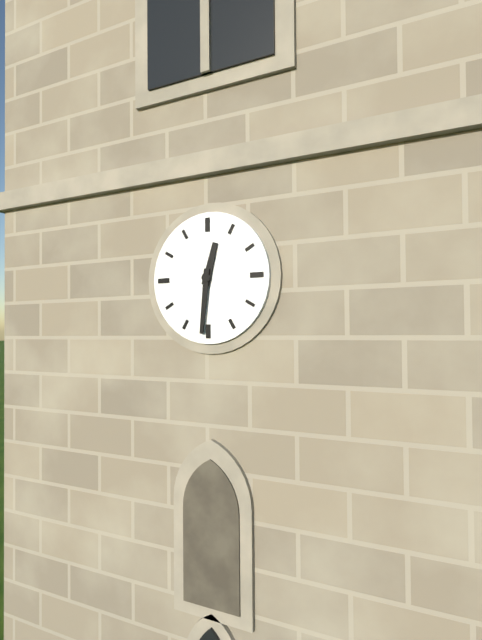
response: 12 h 31 min
